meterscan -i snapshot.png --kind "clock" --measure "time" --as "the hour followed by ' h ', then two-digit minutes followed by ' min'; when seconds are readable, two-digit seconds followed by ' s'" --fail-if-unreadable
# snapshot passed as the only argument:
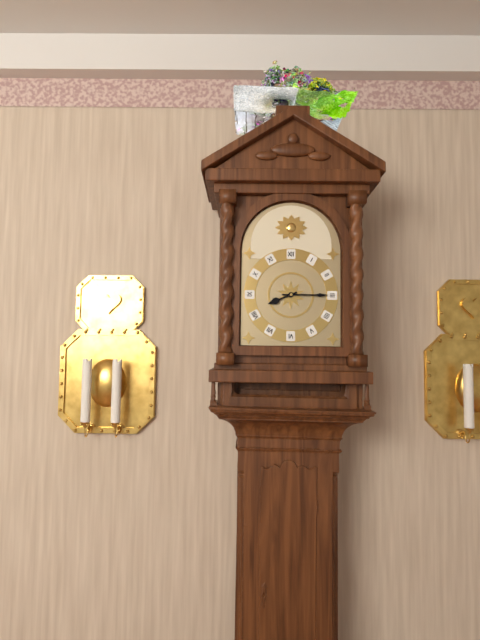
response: 8 h 15 min
